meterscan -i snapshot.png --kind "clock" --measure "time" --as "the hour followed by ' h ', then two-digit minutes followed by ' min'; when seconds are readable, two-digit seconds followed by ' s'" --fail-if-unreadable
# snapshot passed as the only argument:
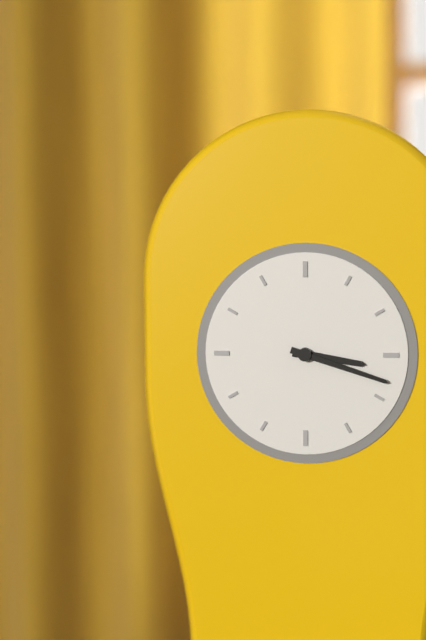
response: 3 h 18 min
